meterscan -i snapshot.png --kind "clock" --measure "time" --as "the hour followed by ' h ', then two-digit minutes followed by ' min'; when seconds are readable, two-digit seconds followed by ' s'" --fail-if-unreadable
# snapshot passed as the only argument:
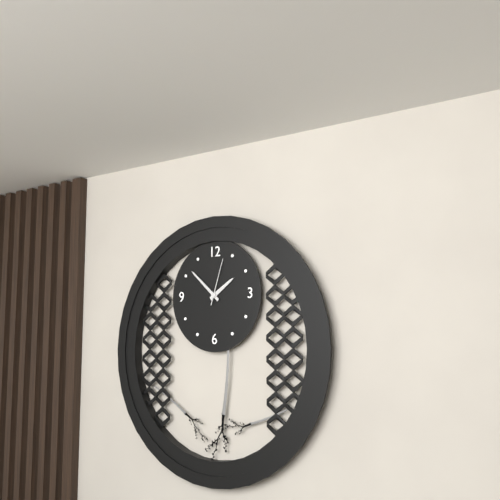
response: 1 h 52 min
